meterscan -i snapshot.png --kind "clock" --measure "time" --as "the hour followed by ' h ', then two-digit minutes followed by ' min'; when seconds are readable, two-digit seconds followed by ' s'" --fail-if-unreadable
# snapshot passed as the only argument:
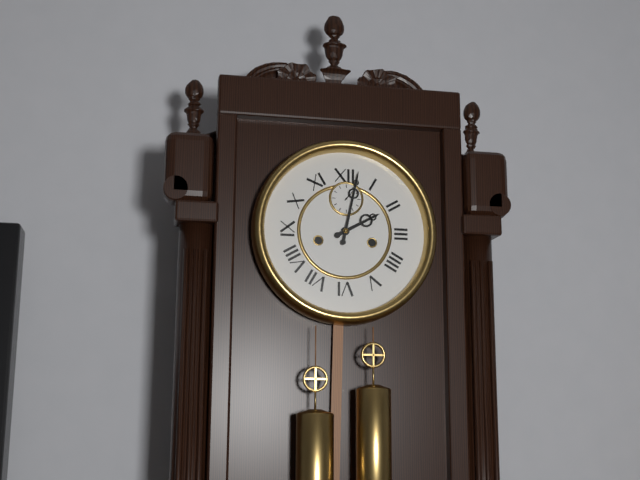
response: 2 h 02 min
